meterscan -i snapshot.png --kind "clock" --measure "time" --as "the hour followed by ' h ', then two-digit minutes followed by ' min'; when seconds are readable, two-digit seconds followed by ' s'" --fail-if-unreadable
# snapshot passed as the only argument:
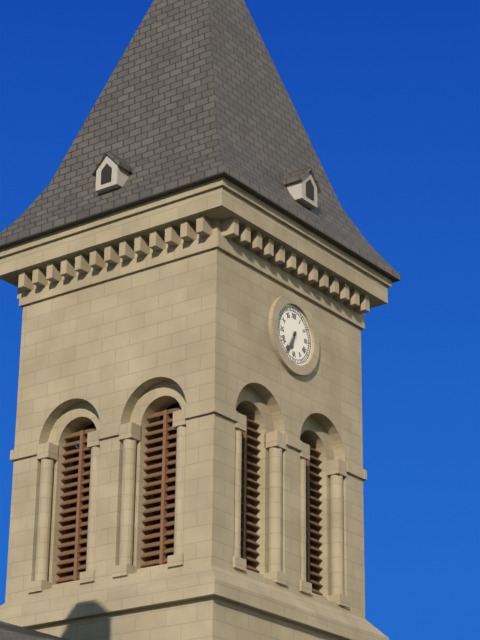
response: 6 h 35 min
